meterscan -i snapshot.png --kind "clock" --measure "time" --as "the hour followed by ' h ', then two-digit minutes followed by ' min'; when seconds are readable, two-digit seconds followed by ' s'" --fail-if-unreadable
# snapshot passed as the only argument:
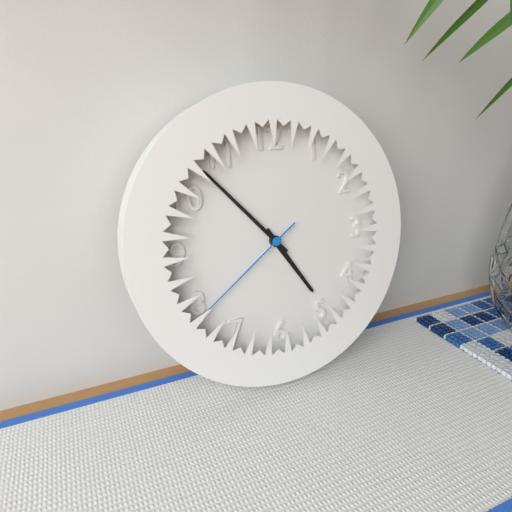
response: 4 h 53 min 39 s
